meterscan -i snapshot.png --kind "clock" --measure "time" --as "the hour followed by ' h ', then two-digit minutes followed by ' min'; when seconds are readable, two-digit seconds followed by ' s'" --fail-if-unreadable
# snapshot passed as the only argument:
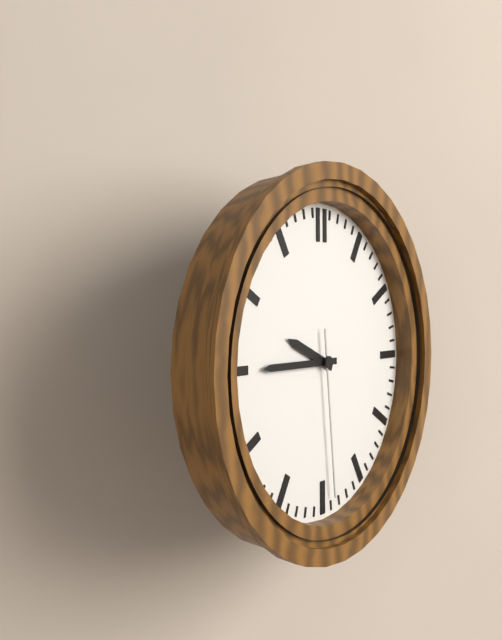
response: 9 h 45 min 29 s
